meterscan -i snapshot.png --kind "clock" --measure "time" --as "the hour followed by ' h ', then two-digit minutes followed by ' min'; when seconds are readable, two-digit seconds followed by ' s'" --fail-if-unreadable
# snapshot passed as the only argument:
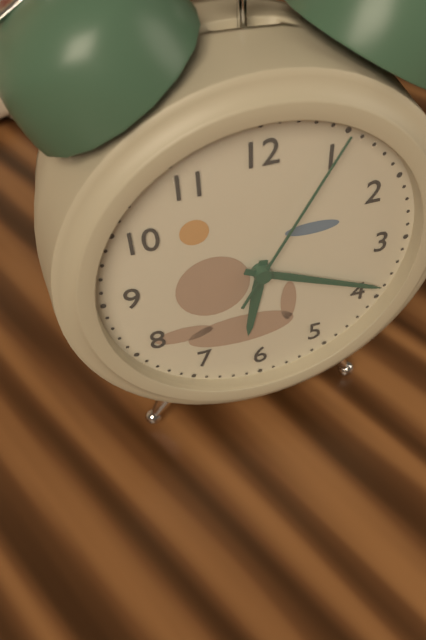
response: 6 h 19 min 05 s
